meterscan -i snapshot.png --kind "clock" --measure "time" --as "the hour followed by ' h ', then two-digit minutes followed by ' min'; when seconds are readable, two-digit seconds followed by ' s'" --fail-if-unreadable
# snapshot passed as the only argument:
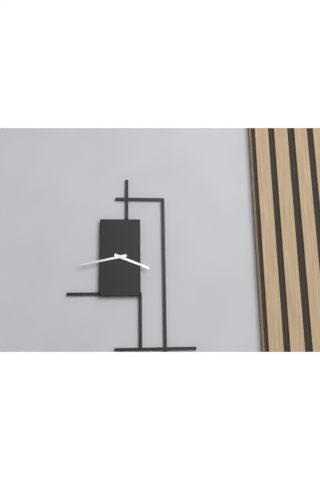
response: 3 h 43 min
